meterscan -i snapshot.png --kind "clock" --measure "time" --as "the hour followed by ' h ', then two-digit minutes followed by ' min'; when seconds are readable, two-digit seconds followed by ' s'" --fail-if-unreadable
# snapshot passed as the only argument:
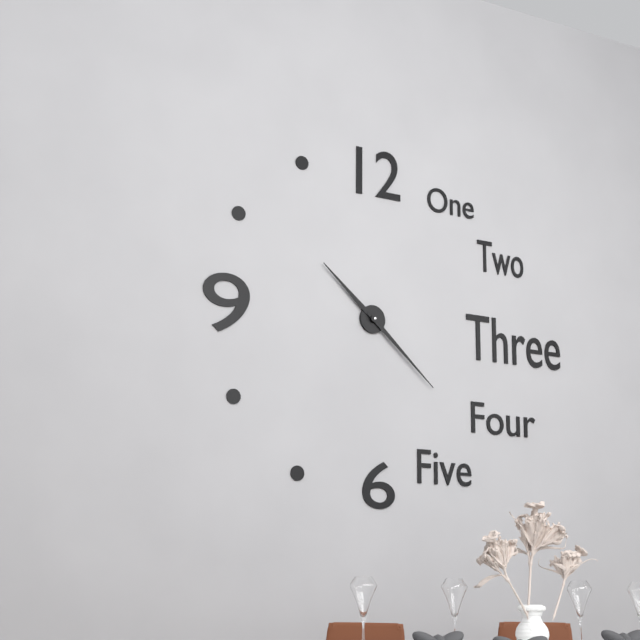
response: 10 h 22 min
